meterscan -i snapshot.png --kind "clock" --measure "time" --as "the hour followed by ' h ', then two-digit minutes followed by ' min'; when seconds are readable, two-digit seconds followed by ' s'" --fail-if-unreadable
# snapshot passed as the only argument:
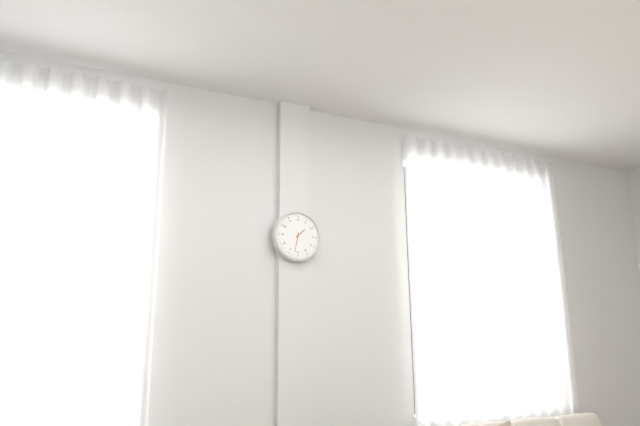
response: 1 h 32 min
